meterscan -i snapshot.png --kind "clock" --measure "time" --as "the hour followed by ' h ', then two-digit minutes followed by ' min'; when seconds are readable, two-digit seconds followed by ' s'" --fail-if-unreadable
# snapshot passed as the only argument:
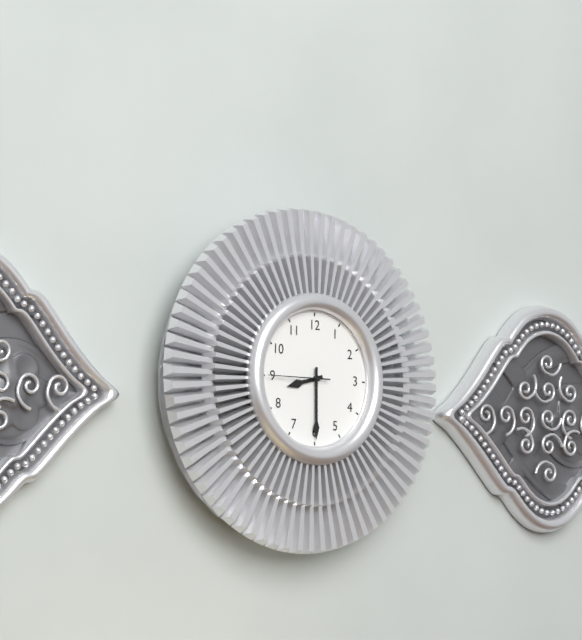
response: 8 h 30 min 45 s
